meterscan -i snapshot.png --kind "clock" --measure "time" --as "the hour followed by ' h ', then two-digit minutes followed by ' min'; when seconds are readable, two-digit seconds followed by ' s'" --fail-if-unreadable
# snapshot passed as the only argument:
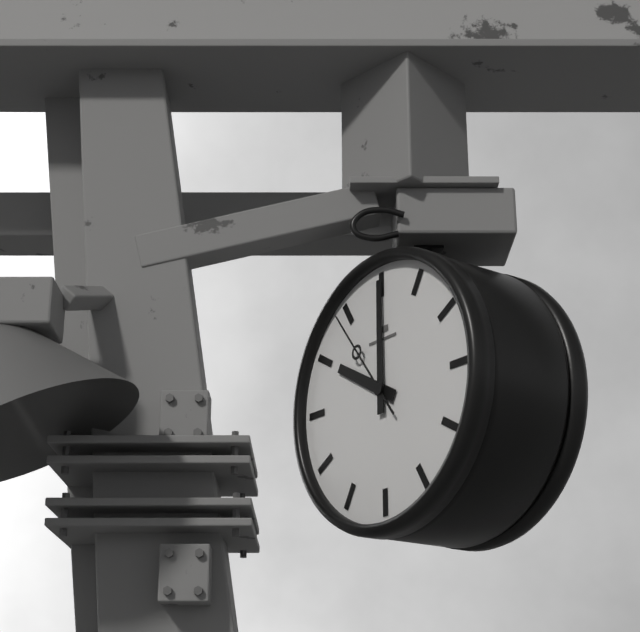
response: 10 h 00 min 54 s
